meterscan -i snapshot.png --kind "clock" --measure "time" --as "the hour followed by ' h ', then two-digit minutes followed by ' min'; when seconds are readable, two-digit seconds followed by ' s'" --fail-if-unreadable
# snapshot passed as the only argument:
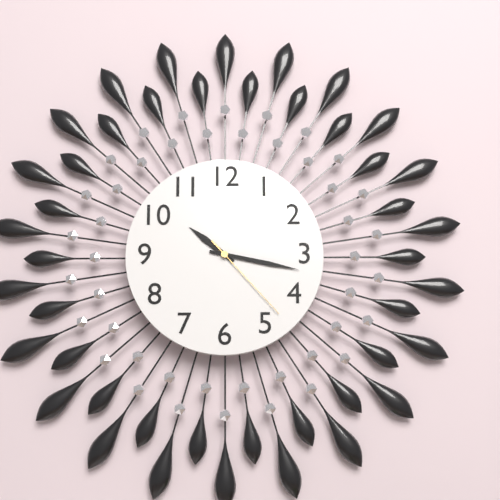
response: 10 h 17 min 23 s
